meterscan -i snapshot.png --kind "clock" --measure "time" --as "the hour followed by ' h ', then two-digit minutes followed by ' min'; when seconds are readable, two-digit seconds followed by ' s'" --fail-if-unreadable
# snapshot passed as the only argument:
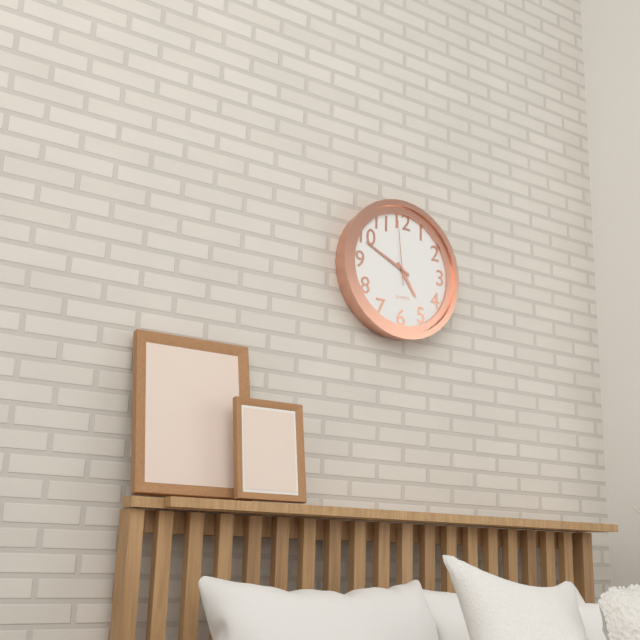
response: 4 h 49 min 59 s
